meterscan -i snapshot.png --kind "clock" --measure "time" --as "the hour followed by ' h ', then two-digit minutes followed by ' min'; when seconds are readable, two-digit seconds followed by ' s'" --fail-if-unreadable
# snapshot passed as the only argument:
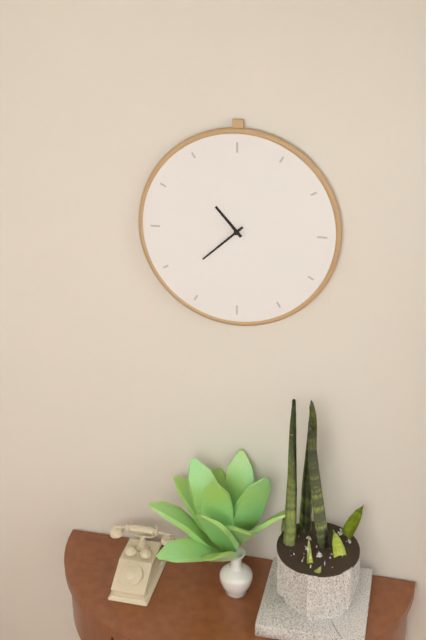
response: 10 h 38 min
